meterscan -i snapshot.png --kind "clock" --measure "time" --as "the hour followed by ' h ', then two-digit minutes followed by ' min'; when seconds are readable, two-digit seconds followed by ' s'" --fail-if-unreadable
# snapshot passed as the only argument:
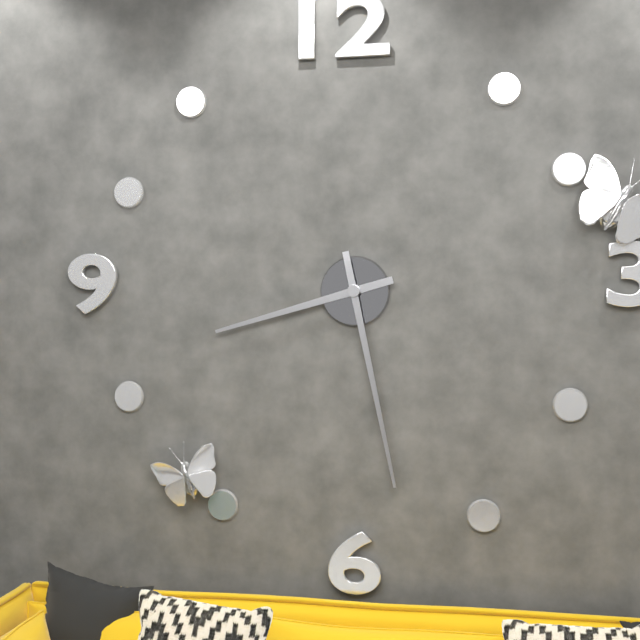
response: 8 h 28 min
